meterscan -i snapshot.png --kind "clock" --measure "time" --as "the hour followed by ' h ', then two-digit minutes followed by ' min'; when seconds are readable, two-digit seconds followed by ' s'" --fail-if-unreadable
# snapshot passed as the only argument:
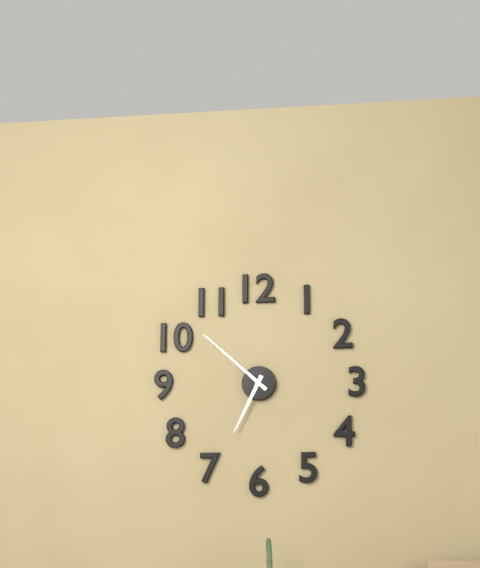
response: 6 h 52 min
